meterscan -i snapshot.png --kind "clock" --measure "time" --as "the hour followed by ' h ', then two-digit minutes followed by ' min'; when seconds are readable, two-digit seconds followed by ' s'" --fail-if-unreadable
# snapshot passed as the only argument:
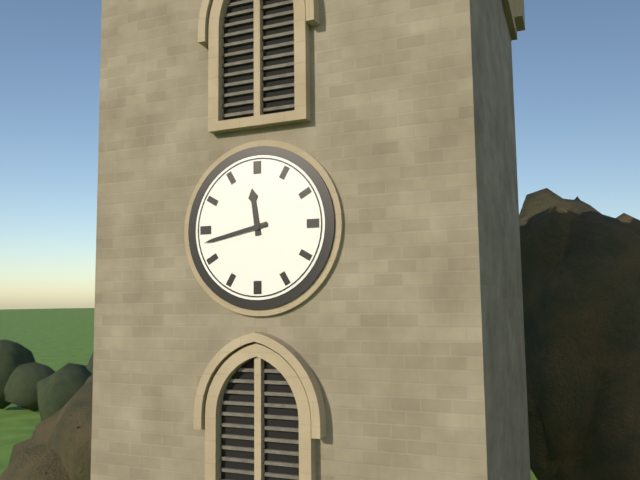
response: 11 h 43 min
